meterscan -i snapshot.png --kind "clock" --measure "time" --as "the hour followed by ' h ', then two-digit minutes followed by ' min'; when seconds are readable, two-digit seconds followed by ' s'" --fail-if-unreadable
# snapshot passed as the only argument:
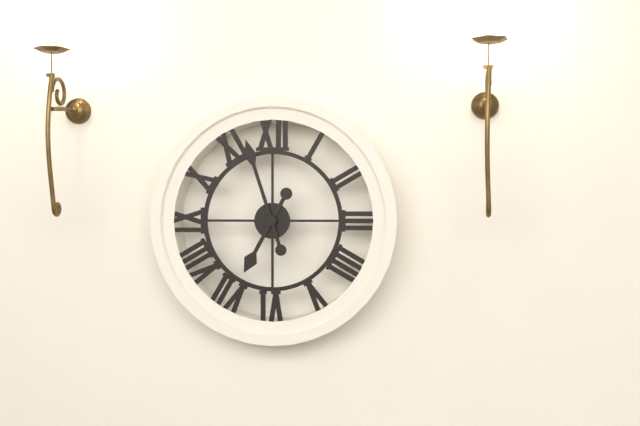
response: 6 h 57 min
